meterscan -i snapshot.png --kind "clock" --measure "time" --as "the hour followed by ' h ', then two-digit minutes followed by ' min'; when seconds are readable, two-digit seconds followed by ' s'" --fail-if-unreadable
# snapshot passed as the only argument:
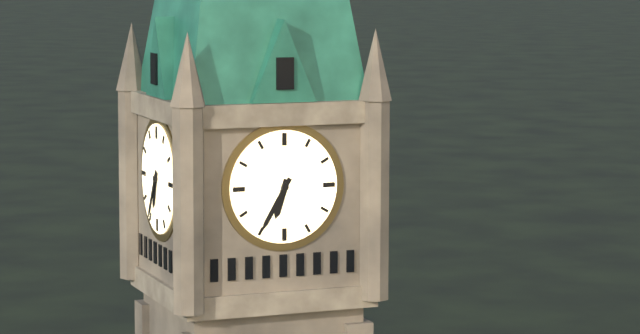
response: 6 h 35 min
